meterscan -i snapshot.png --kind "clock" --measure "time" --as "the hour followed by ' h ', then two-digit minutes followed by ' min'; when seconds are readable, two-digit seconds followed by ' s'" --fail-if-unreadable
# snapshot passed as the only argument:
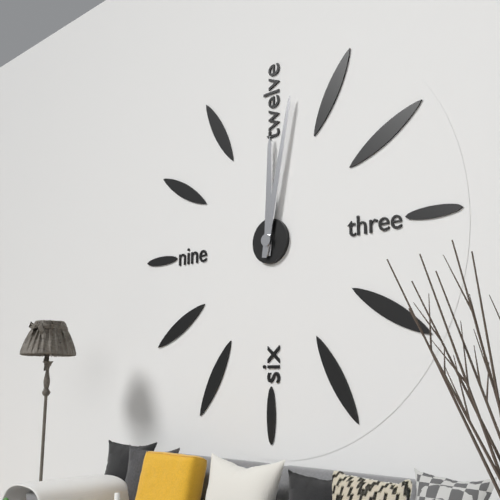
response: 12 h 02 min
